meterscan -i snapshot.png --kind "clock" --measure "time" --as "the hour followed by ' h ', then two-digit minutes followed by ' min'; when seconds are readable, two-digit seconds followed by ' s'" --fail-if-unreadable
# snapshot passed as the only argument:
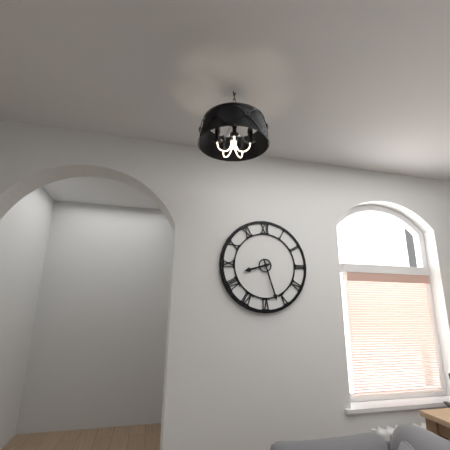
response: 8 h 27 min
